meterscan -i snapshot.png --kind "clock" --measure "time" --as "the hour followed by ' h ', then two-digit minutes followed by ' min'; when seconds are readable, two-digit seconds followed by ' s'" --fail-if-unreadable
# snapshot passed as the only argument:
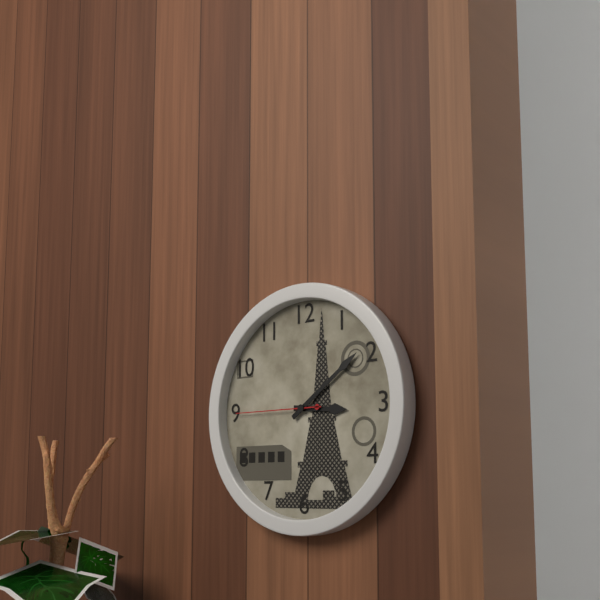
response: 3 h 09 min 45 s
